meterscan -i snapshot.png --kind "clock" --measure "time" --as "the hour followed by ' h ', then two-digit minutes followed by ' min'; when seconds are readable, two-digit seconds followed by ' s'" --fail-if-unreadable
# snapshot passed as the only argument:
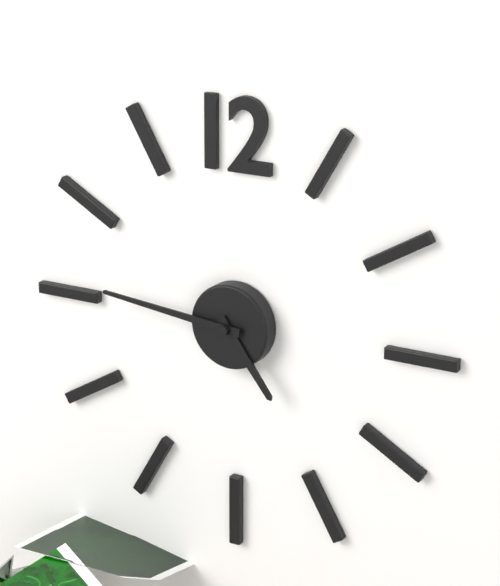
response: 4 h 46 min
